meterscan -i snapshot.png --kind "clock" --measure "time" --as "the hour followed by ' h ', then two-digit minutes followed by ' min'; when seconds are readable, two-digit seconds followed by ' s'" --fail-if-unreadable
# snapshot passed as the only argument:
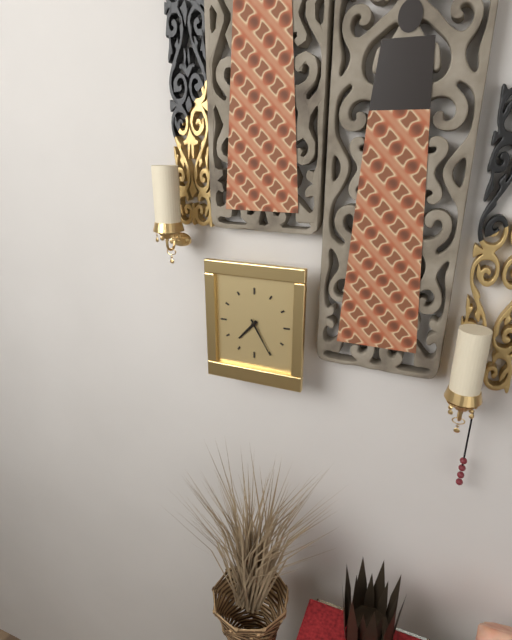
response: 7 h 25 min
